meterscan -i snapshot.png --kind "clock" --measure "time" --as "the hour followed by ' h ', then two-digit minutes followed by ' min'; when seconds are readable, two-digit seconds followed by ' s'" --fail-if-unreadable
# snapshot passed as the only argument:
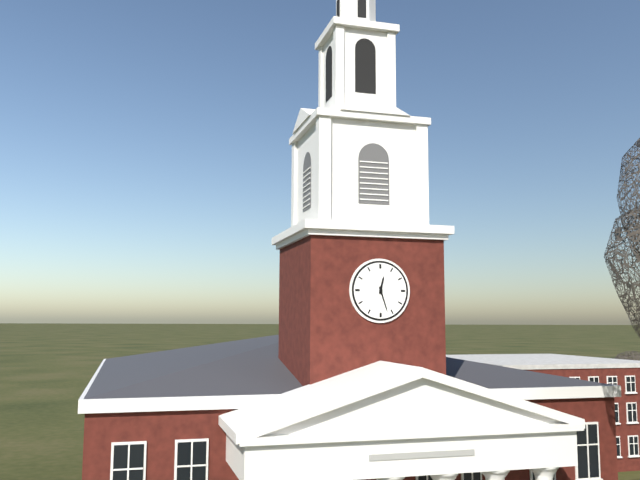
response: 12 h 27 min
